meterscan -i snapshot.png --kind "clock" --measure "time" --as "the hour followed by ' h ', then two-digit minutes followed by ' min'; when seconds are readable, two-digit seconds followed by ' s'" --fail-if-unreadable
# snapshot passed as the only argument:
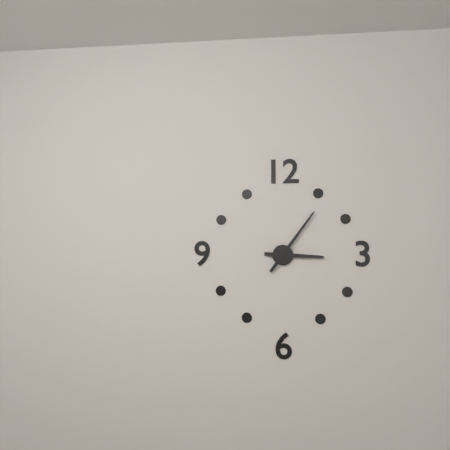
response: 3 h 06 min
